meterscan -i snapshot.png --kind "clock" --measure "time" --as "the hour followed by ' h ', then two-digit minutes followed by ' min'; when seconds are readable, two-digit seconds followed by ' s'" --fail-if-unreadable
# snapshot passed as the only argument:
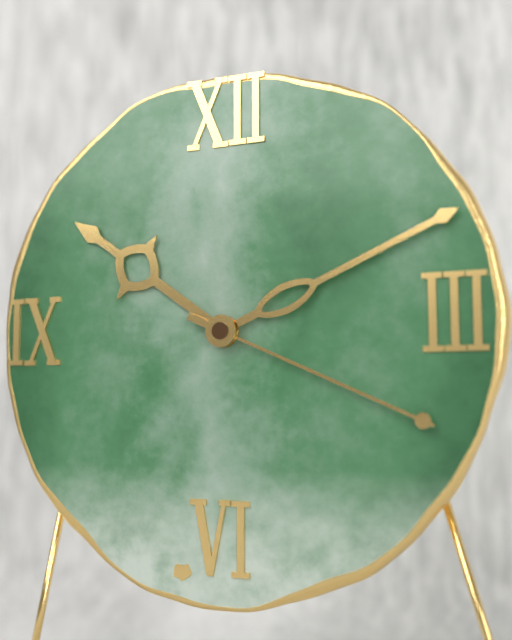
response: 10 h 11 min 19 s
